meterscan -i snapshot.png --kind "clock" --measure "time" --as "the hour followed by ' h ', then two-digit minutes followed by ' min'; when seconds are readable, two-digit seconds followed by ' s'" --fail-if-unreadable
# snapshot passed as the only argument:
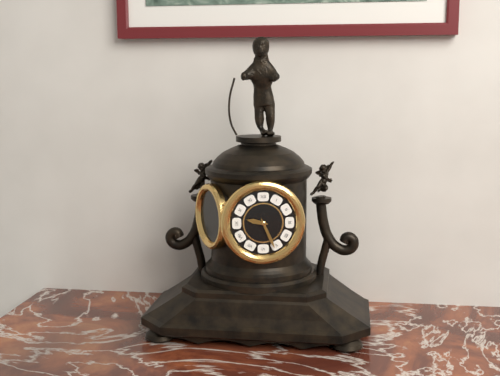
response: 9 h 26 min
